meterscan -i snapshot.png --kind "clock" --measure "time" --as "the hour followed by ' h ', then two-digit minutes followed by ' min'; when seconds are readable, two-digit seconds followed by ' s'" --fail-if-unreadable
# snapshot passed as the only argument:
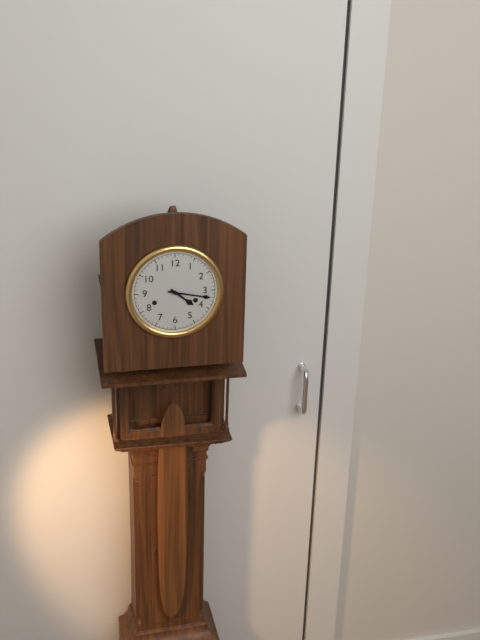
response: 4 h 17 min
